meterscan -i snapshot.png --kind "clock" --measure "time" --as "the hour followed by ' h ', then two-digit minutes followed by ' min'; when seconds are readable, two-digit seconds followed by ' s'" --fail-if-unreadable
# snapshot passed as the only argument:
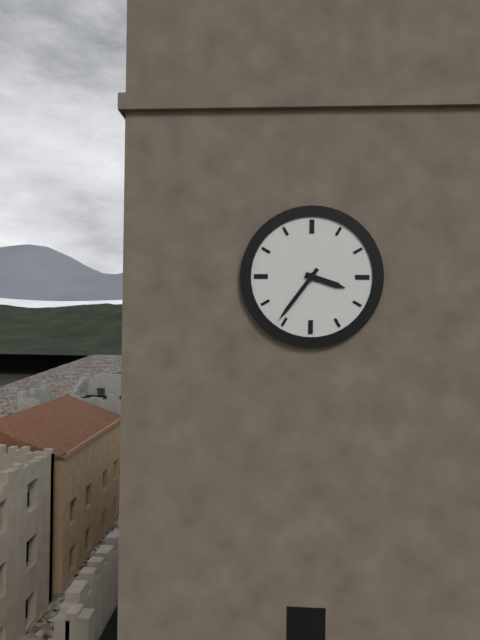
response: 3 h 36 min
